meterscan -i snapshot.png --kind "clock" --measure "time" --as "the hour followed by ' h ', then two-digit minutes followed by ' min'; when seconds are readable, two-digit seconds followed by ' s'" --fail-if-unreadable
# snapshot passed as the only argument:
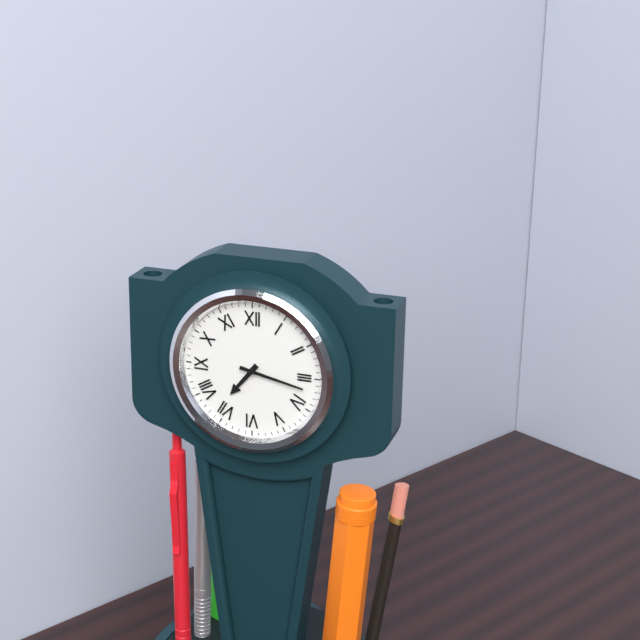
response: 7 h 17 min
